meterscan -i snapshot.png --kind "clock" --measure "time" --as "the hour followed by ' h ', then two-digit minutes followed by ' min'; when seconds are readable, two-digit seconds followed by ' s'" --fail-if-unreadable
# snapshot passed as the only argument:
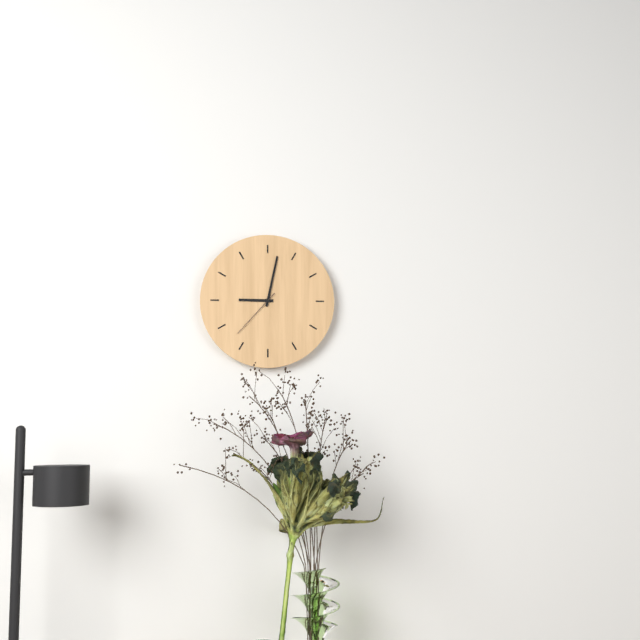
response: 9 h 02 min 37 s
